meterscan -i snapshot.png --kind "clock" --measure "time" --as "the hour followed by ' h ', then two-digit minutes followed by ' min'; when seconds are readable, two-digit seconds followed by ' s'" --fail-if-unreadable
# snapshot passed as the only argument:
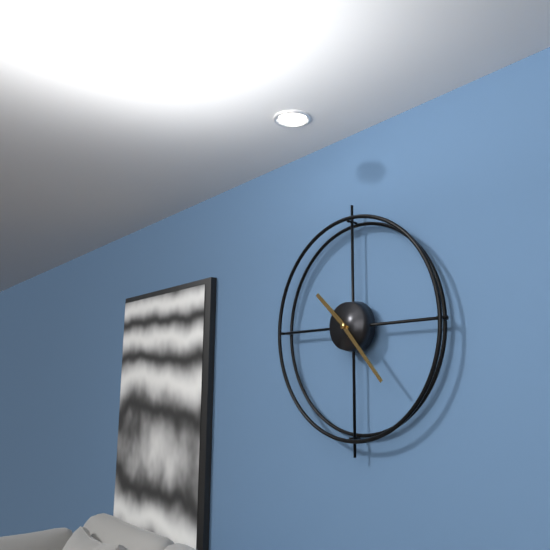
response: 10 h 23 min
